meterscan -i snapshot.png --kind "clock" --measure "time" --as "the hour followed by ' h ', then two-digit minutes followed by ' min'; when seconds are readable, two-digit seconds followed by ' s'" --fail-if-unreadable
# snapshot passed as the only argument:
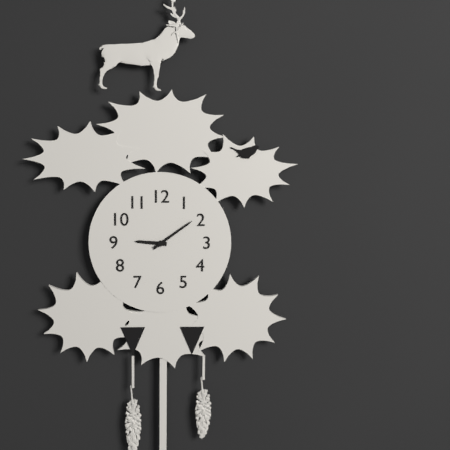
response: 9 h 09 min
